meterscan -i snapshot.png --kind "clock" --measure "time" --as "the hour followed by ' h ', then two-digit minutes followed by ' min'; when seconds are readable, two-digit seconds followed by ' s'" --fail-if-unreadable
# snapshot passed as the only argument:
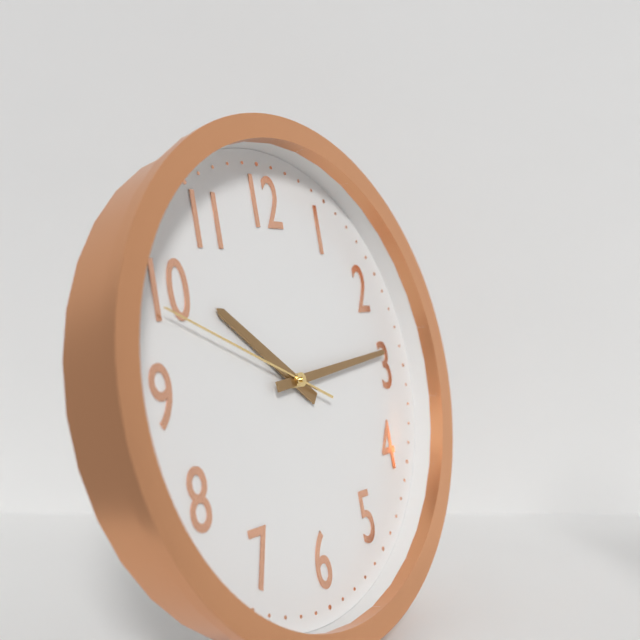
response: 10 h 14 min 49 s
